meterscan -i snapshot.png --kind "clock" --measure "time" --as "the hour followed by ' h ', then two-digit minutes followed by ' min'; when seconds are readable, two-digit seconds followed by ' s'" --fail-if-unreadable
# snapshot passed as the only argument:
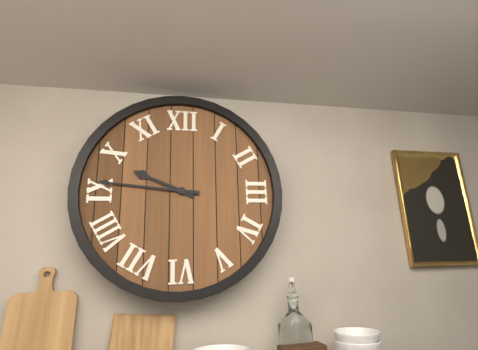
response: 9 h 46 min
